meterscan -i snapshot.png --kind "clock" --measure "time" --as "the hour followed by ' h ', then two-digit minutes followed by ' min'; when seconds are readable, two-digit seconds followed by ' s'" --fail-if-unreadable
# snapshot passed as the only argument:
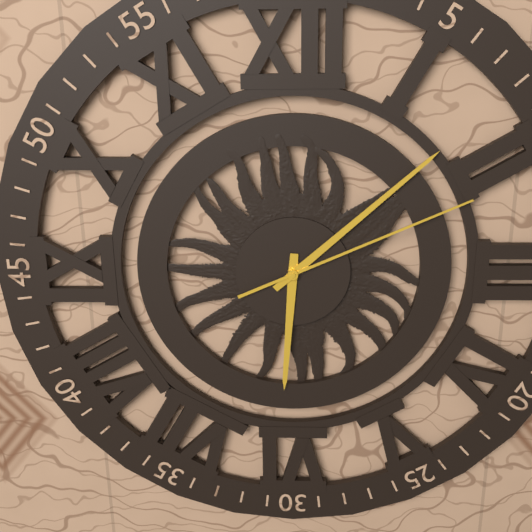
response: 6 h 08 min 11 s
